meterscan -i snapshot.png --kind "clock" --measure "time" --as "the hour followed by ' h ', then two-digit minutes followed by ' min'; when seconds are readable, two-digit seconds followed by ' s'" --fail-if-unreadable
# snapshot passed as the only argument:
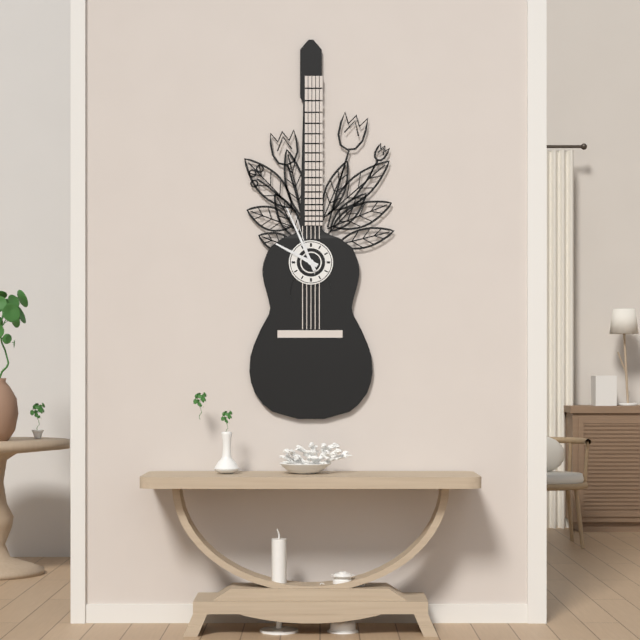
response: 9 h 56 min 57 s
